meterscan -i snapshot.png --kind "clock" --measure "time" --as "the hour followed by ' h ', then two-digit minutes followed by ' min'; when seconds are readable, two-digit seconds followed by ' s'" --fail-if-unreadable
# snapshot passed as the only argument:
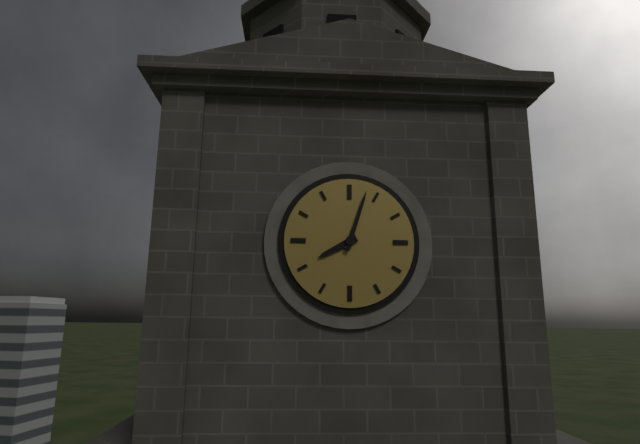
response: 8 h 03 min
